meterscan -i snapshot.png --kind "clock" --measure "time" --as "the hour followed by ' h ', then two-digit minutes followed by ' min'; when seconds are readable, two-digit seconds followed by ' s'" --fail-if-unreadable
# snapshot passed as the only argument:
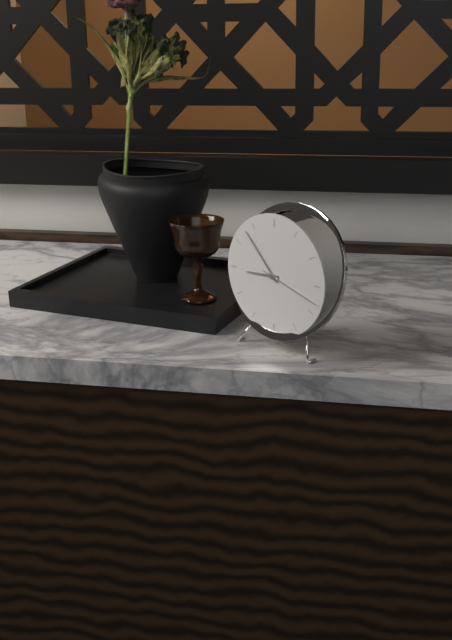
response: 8 h 53 min 18 s
